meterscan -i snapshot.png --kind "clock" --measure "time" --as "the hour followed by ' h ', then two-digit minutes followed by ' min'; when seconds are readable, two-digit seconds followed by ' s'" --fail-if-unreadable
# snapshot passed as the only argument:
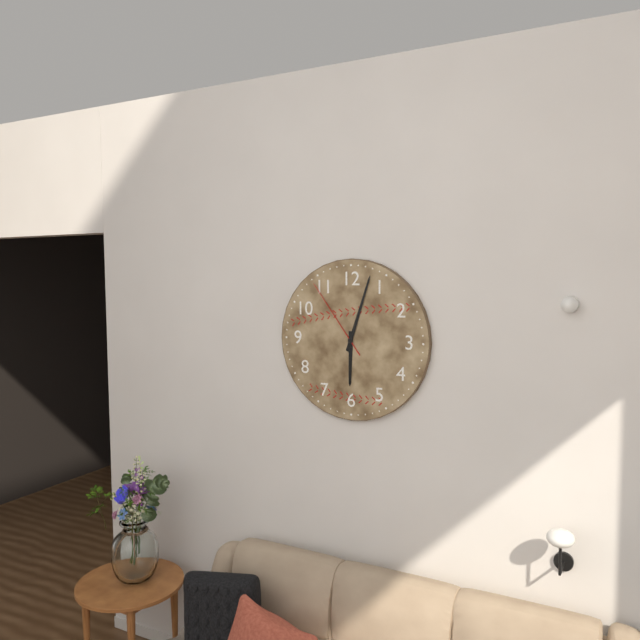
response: 6 h 03 min 54 s
